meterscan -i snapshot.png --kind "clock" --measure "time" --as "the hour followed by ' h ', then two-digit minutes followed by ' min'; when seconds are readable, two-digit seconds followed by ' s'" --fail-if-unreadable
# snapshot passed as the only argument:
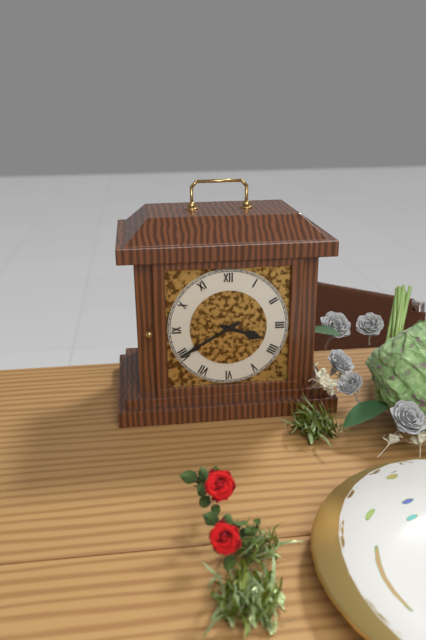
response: 3 h 40 min
